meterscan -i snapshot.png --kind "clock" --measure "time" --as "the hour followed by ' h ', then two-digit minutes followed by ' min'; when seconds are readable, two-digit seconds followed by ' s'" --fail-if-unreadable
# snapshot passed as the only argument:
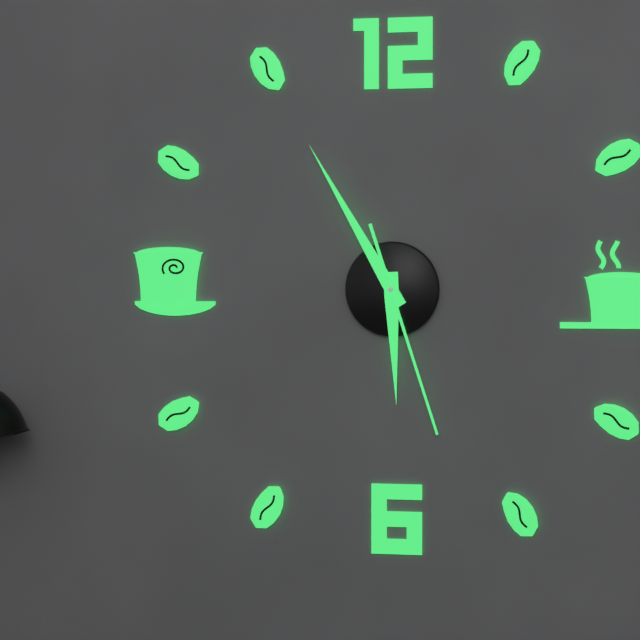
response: 5 h 55 min 27 s
